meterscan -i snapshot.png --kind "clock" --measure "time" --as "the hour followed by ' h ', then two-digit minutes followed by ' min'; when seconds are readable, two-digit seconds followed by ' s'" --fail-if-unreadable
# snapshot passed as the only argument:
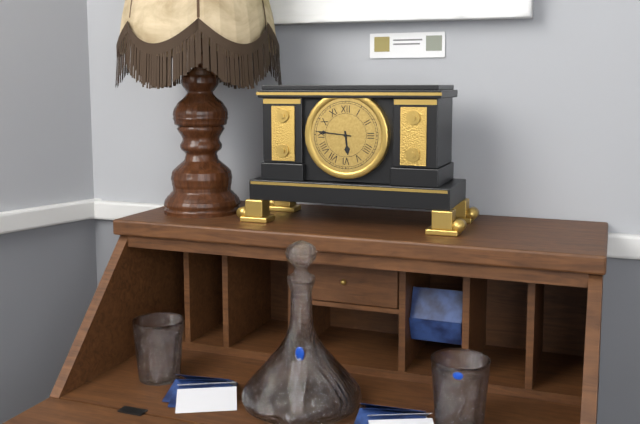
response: 5 h 46 min
